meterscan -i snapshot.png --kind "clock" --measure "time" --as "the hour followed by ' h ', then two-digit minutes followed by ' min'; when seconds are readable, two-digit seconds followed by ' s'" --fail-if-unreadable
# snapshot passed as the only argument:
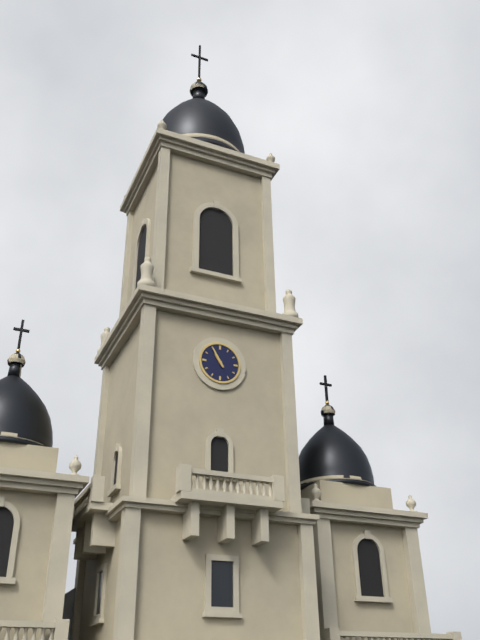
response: 10 h 55 min
